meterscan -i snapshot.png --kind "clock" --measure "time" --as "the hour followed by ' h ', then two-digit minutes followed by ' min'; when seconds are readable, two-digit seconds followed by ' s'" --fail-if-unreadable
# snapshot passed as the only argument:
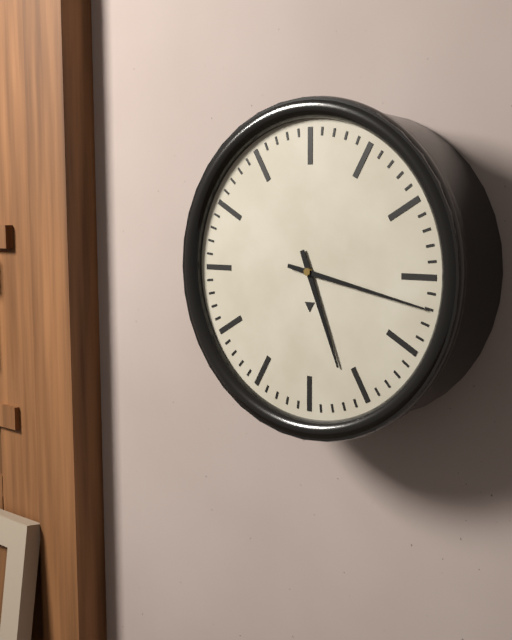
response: 5 h 17 min
